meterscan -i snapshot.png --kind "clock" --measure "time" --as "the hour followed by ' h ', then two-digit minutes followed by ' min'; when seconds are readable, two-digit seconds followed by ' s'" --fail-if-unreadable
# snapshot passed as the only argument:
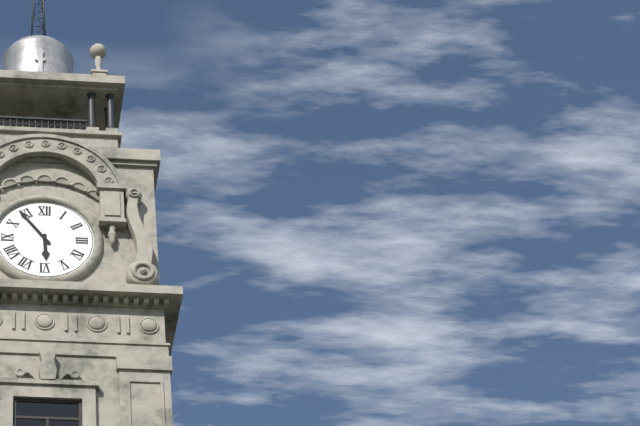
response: 5 h 54 min
